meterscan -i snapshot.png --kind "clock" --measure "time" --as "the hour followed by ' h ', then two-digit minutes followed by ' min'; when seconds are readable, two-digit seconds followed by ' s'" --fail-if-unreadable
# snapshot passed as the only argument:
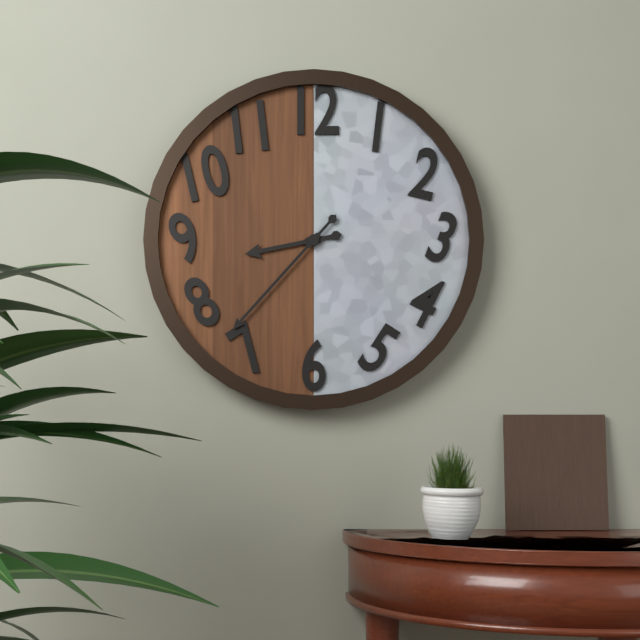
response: 8 h 37 min
